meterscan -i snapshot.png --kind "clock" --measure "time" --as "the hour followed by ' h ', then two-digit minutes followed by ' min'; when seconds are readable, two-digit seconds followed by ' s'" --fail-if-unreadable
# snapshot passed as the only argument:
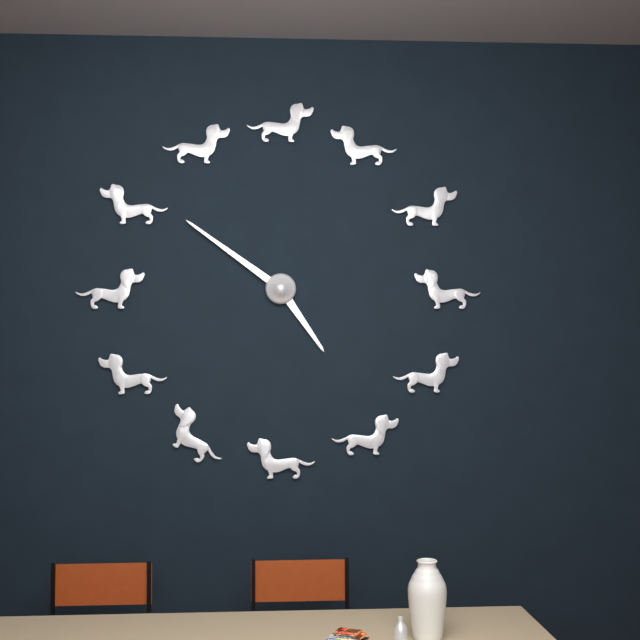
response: 4 h 51 min
